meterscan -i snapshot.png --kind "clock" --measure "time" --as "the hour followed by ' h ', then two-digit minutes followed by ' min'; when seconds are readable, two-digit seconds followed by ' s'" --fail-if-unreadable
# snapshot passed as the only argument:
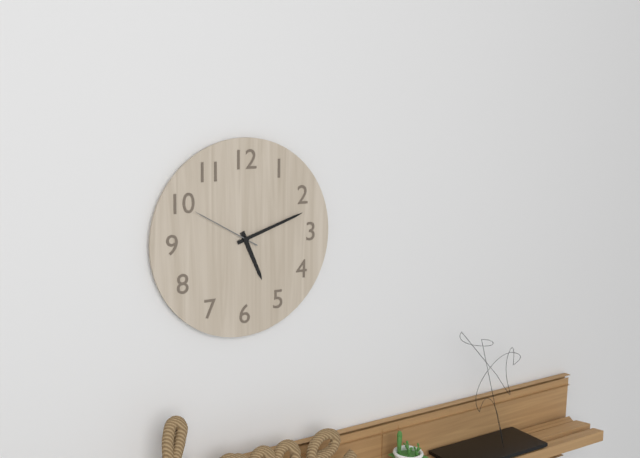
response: 5 h 12 min 50 s
